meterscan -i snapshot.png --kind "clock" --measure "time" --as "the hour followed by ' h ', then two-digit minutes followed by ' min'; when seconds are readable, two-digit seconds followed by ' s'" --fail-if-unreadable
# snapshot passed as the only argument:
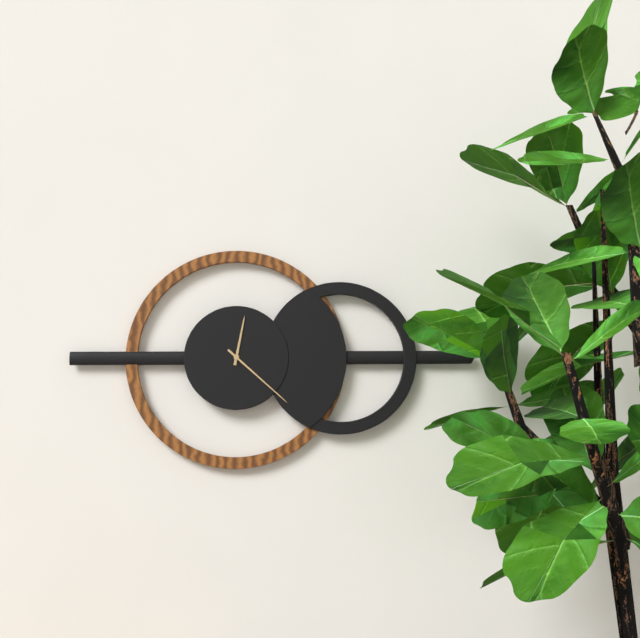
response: 12 h 22 min
